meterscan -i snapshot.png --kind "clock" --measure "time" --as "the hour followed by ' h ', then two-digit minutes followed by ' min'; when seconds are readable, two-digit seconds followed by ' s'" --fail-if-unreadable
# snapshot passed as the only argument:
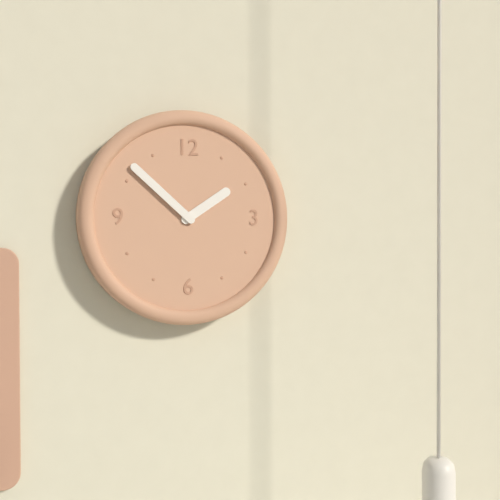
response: 1 h 52 min
